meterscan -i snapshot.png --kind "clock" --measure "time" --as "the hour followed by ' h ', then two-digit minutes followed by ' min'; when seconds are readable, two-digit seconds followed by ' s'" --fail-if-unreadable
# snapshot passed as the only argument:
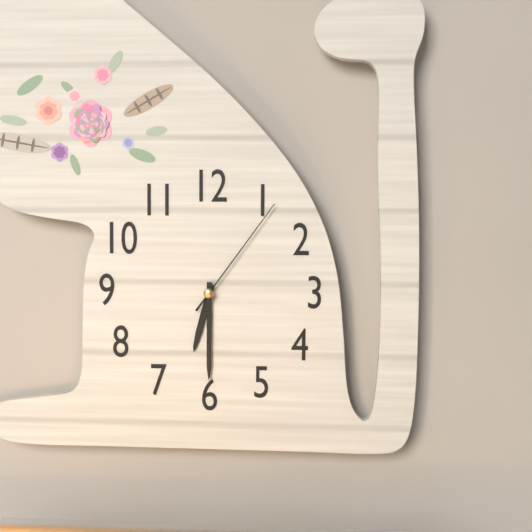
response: 6 h 30 min 06 s
